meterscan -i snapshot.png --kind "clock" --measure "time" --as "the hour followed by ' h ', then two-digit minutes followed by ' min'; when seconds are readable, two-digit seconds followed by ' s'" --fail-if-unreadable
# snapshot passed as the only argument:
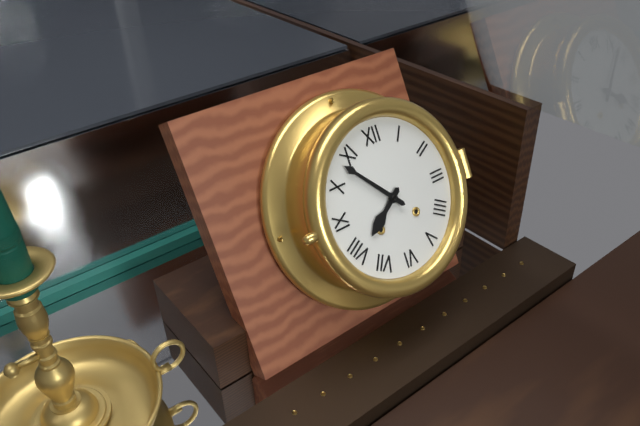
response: 7 h 53 min
